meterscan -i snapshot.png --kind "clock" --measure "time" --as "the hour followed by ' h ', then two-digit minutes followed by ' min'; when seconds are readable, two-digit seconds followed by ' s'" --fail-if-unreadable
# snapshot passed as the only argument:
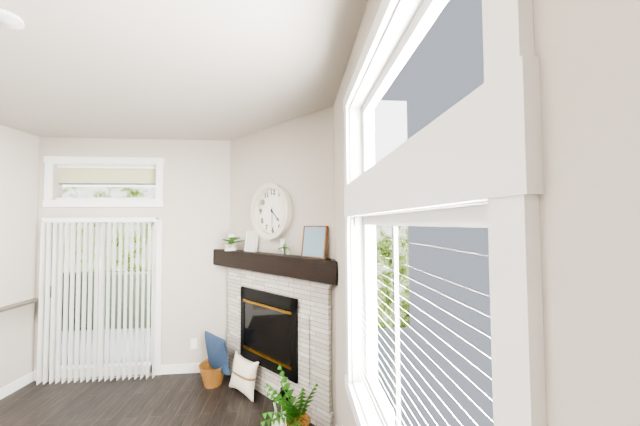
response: 4 h 30 min
